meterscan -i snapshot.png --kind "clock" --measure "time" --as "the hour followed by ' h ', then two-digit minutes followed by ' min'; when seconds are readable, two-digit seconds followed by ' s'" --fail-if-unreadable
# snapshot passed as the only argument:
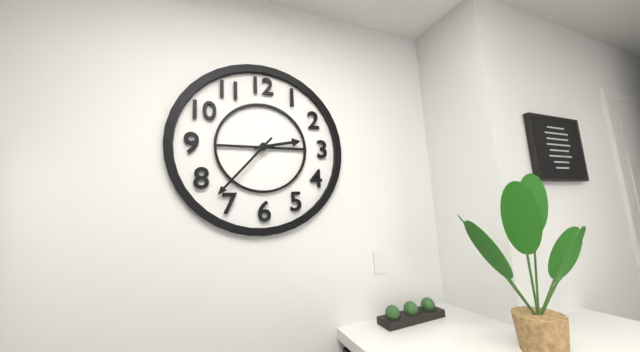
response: 2 h 37 min
